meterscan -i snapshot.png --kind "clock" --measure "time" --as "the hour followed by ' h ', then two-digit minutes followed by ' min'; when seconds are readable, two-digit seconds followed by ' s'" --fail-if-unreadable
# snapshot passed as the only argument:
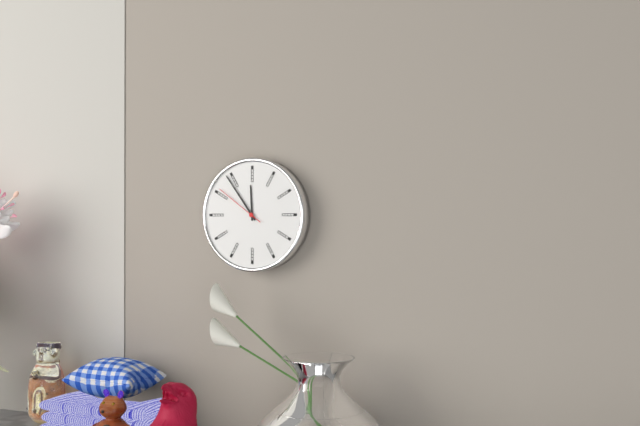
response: 11 h 54 min 51 s
